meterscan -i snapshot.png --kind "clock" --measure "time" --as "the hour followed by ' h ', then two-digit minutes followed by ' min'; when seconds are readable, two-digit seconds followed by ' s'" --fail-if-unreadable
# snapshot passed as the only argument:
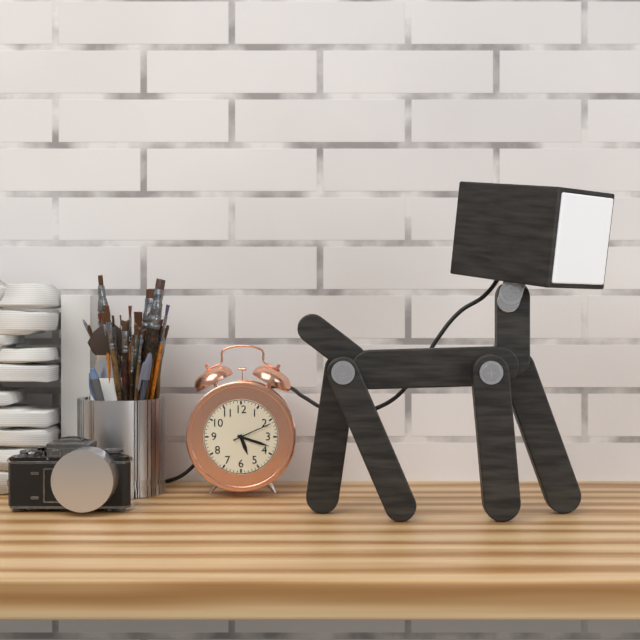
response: 5 h 18 min
